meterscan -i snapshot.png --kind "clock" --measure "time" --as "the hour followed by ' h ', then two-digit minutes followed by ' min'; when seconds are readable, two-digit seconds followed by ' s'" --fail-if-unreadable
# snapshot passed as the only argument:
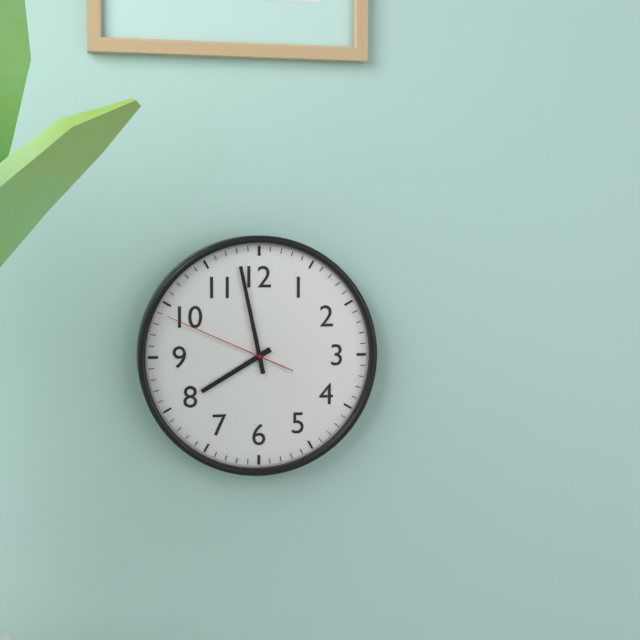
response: 7 h 58 min 49 s
